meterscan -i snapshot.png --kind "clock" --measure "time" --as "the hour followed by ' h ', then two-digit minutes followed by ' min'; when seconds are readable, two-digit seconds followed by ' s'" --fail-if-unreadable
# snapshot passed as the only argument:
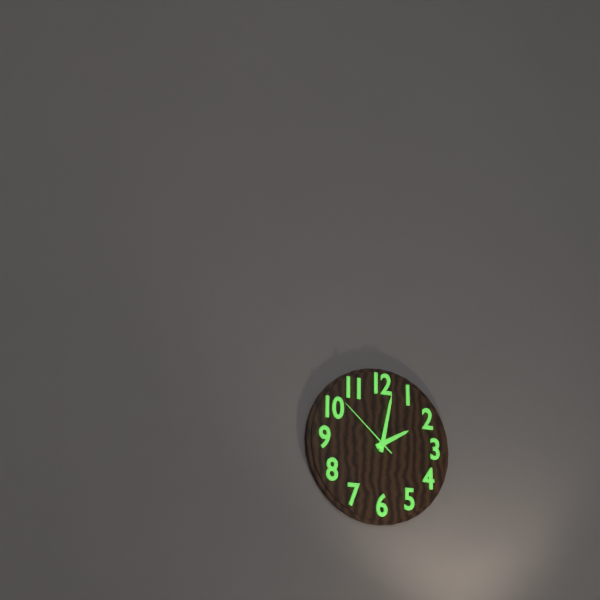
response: 2 h 02 min 52 s
